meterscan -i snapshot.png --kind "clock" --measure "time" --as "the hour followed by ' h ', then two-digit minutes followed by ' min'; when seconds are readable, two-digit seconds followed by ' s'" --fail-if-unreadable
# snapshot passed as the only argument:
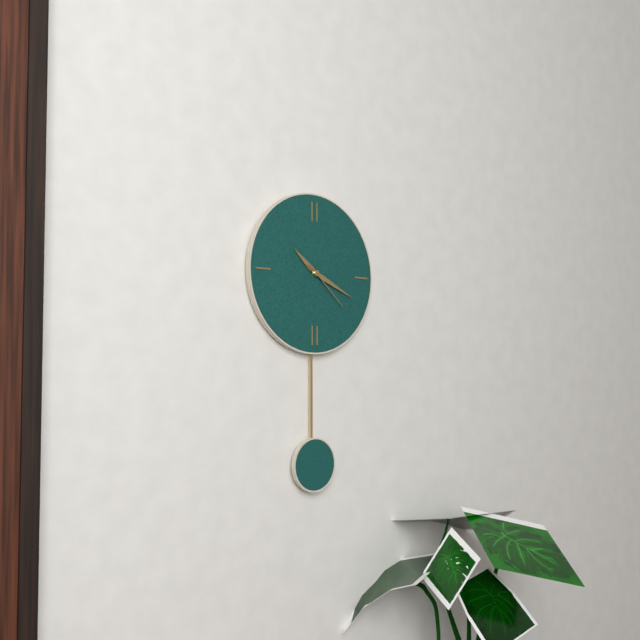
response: 10 h 19 min 22 s
